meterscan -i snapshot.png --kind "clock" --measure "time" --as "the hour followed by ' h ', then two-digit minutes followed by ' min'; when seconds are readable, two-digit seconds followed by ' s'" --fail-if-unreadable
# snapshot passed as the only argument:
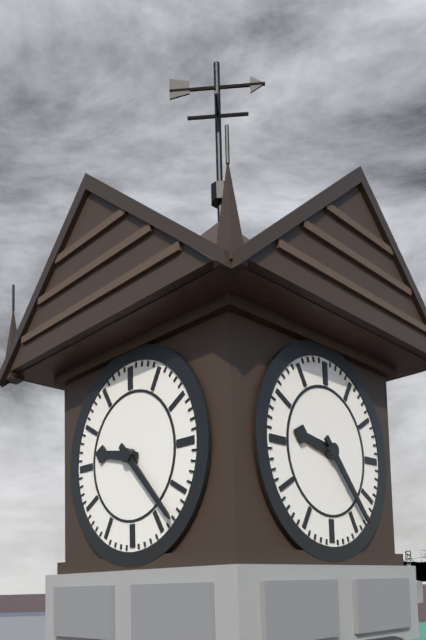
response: 9 h 23 min
